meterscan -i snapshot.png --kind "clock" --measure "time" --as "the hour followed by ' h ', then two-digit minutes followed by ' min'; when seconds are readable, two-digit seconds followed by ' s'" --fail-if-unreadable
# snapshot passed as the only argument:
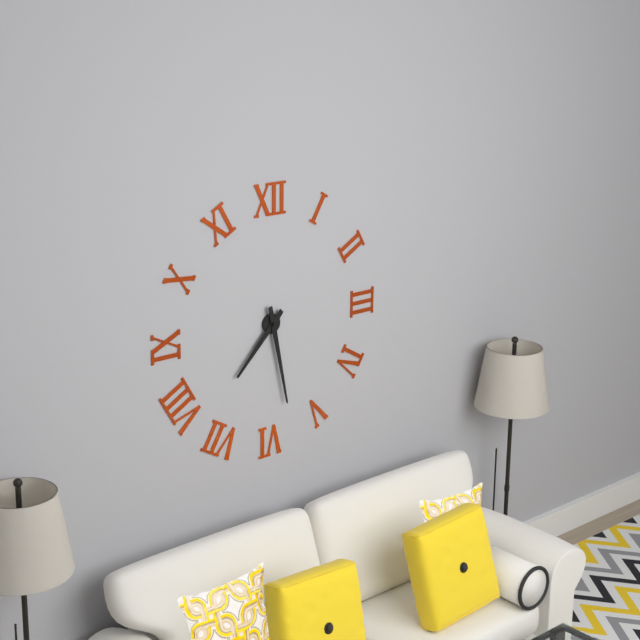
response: 7 h 28 min
